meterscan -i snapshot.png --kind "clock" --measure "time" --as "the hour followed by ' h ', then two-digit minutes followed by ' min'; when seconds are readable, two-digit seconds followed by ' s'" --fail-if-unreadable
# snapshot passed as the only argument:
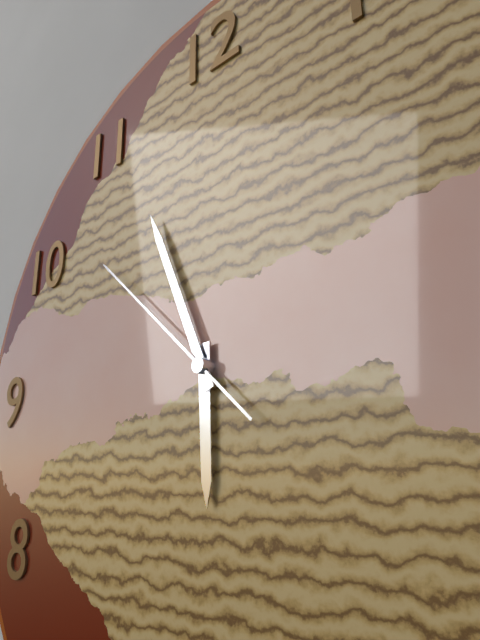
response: 5 h 56 min 52 s
